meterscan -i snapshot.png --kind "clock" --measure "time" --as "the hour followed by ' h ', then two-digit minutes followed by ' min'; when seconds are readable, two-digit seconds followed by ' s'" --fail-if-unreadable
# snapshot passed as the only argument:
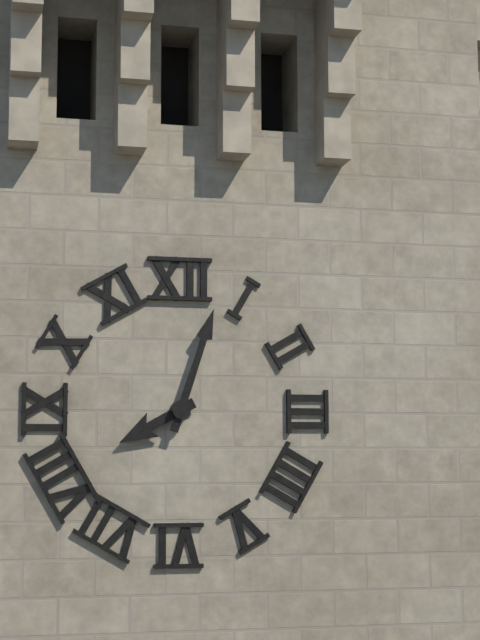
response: 8 h 03 min
